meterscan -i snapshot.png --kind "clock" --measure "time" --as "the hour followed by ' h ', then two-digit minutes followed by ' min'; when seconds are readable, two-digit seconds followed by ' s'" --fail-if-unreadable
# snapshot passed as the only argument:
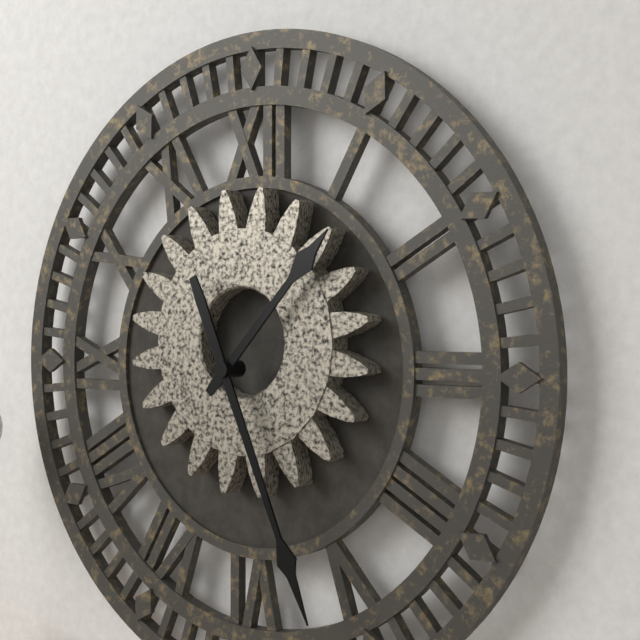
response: 1 h 26 min
